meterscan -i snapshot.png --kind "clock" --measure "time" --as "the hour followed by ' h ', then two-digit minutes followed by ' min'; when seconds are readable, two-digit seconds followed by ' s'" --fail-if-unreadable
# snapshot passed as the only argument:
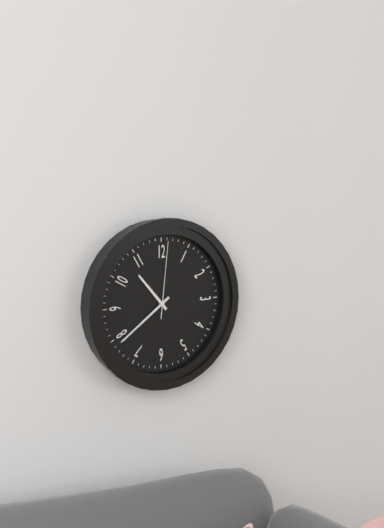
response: 10 h 39 min 01 s
